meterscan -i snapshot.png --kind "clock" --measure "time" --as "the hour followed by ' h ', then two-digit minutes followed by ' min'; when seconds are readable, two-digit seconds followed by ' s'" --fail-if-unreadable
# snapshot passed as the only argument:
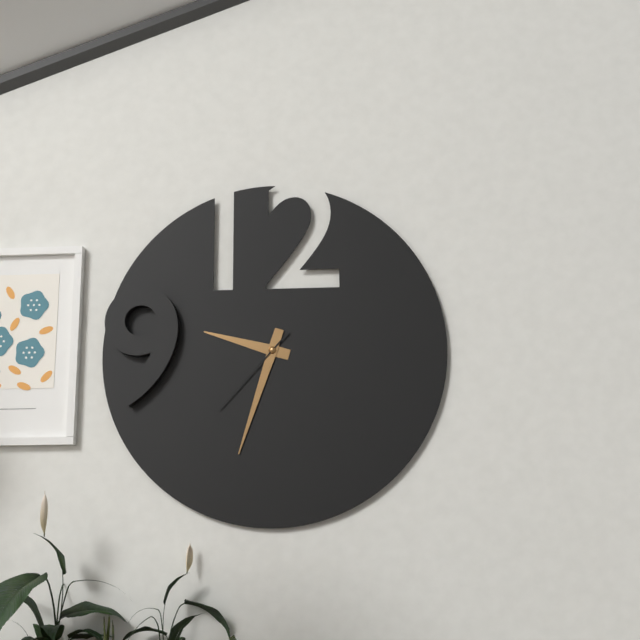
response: 9 h 33 min 37 s
